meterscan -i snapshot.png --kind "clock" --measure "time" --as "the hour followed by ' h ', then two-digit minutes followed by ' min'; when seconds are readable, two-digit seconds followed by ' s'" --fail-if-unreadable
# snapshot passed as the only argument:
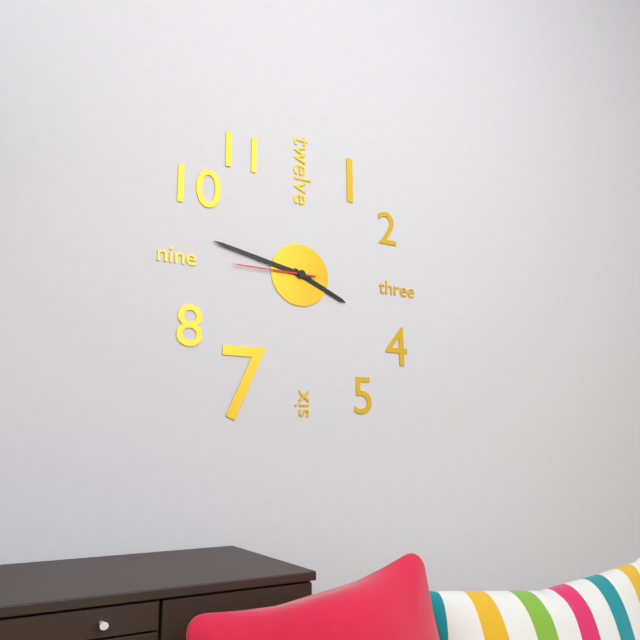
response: 3 h 47 min 45 s
